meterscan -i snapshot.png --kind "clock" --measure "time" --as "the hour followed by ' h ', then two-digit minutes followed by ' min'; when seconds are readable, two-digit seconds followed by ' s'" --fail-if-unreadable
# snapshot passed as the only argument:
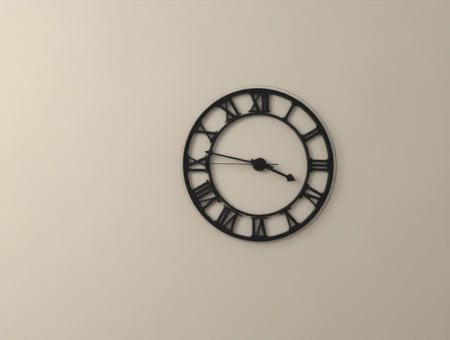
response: 3 h 47 min 45 s
